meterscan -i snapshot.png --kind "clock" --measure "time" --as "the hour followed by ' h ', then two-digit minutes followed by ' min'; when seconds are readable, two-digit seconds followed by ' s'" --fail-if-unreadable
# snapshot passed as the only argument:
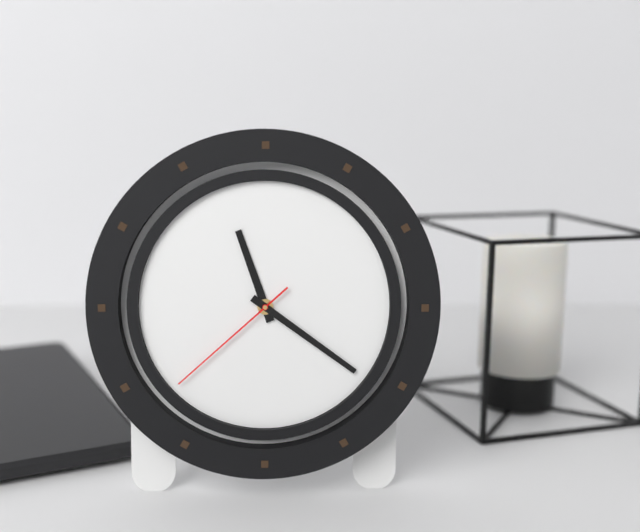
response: 11 h 21 min 38 s
